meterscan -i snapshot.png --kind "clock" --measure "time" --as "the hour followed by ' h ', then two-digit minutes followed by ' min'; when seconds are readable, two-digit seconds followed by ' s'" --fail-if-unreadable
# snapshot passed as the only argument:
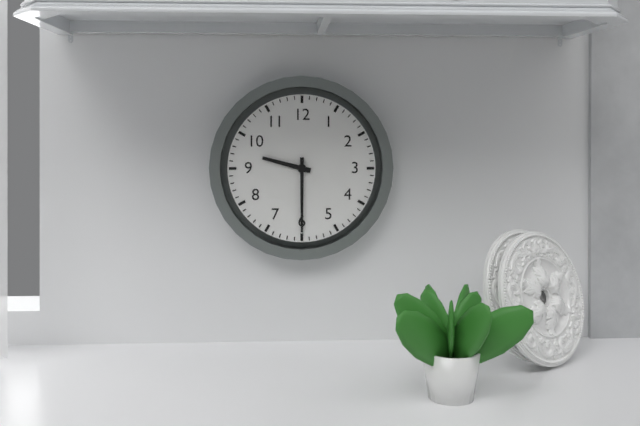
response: 9 h 30 min
